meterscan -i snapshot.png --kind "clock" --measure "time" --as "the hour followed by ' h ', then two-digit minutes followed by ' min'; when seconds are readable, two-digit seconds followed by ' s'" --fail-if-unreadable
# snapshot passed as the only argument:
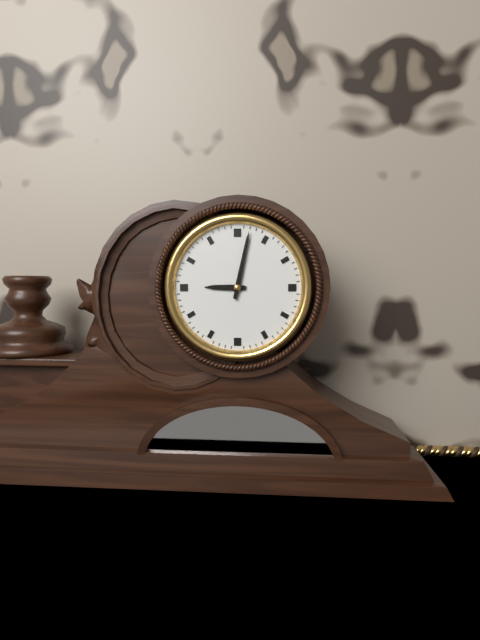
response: 9 h 02 min
